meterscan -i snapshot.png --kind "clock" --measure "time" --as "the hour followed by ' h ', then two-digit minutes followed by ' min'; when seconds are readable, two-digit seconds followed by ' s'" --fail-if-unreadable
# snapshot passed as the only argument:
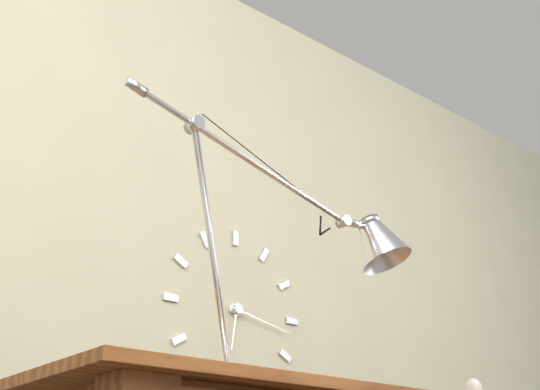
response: 6 h 17 min
